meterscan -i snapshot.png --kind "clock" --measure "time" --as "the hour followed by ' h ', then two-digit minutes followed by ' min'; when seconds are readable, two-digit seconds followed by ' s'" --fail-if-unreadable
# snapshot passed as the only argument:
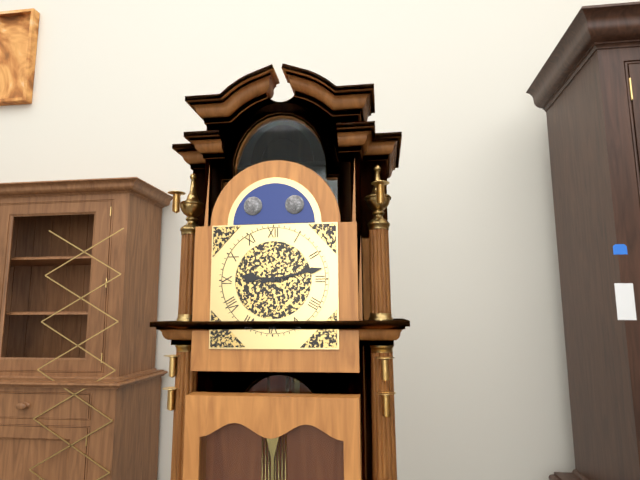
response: 9 h 13 min
